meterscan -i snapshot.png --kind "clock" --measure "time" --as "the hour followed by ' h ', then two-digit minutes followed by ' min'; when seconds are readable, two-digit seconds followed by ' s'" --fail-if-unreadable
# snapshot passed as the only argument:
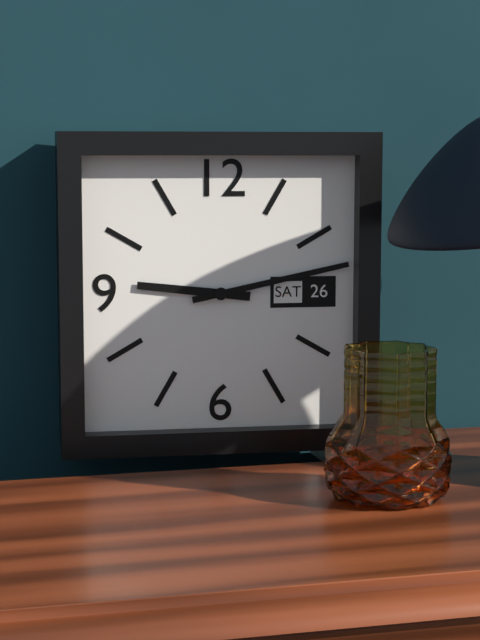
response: 9 h 13 min
